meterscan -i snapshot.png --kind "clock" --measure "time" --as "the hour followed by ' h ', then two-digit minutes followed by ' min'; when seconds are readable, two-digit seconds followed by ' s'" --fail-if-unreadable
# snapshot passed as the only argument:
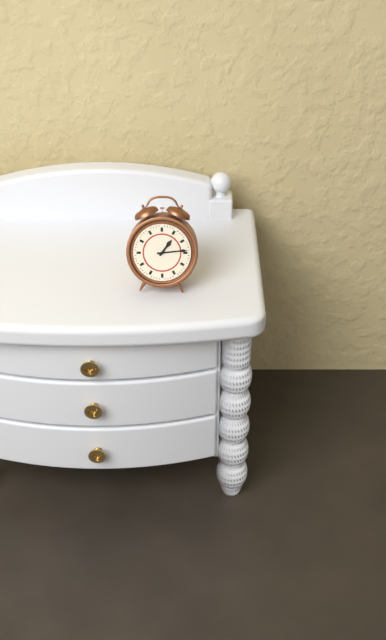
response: 1 h 14 min
